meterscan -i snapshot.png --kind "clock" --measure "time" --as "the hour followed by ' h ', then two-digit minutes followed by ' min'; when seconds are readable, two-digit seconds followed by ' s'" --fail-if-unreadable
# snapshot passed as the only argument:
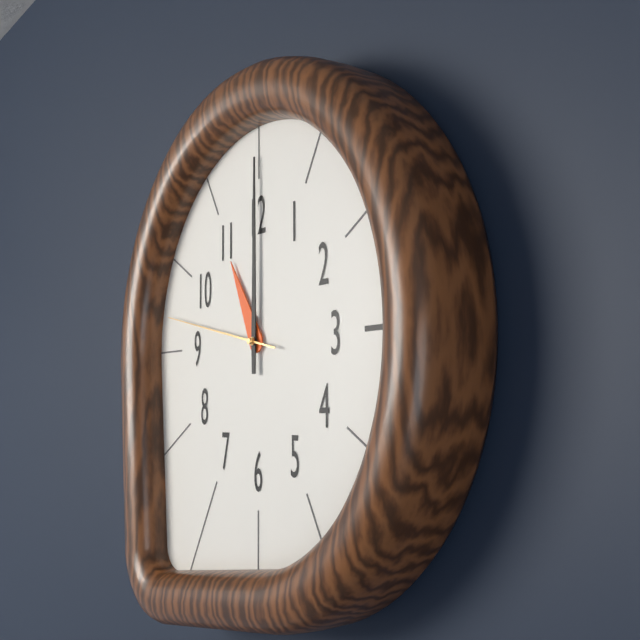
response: 11 h 00 min 47 s
